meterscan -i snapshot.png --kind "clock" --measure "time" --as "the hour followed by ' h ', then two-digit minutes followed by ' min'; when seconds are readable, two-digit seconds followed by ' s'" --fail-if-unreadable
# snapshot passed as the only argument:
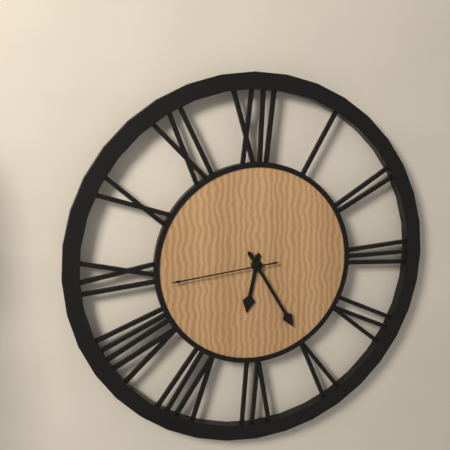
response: 6 h 25 min 44 s
